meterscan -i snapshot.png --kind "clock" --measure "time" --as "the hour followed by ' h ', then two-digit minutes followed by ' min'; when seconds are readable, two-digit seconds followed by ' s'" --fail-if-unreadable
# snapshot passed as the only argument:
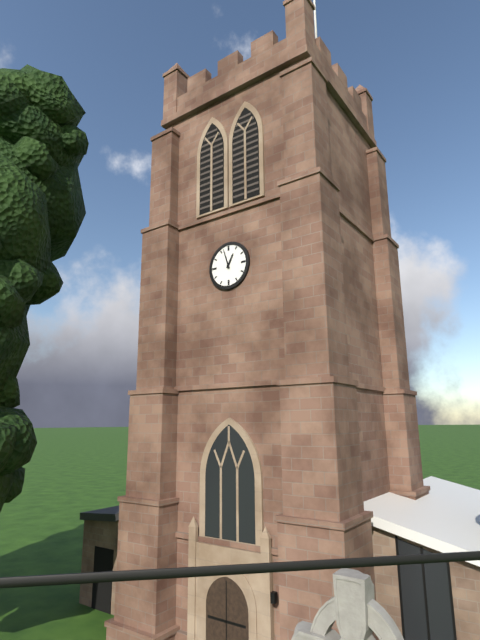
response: 12 h 57 min
